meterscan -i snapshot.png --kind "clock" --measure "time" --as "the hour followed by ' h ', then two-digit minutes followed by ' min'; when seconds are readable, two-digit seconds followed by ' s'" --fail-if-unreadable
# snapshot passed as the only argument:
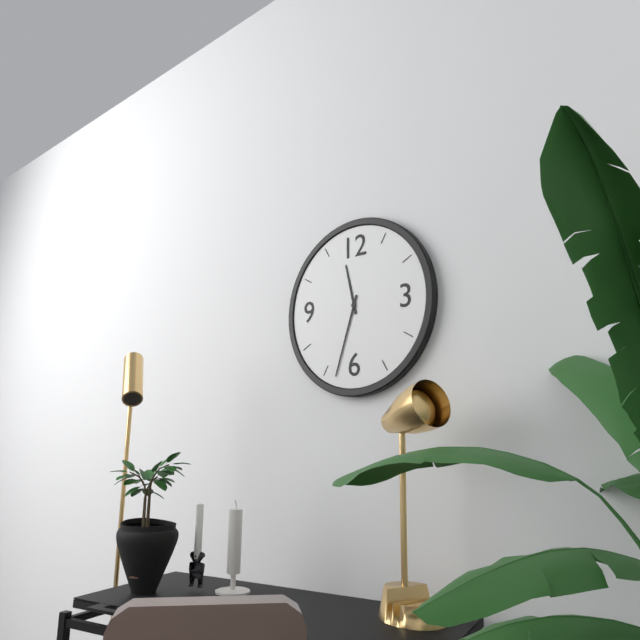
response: 11 h 33 min
